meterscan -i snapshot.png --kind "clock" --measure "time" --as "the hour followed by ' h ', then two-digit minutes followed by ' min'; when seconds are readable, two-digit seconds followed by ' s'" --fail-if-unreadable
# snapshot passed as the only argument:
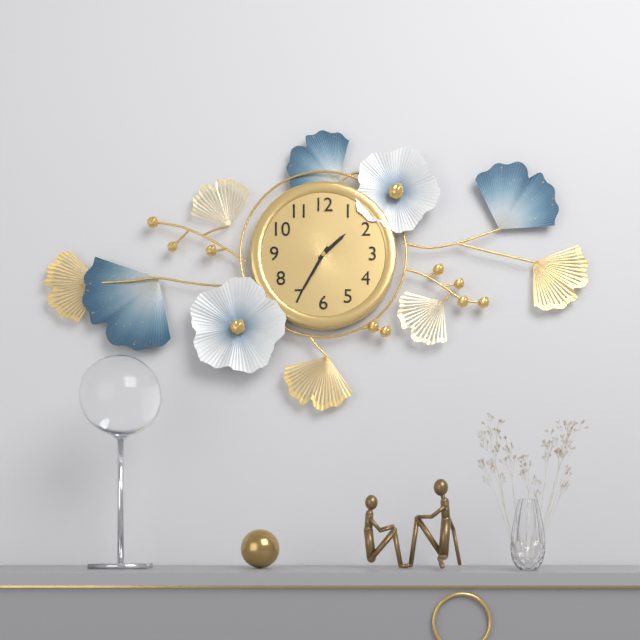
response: 1 h 35 min
